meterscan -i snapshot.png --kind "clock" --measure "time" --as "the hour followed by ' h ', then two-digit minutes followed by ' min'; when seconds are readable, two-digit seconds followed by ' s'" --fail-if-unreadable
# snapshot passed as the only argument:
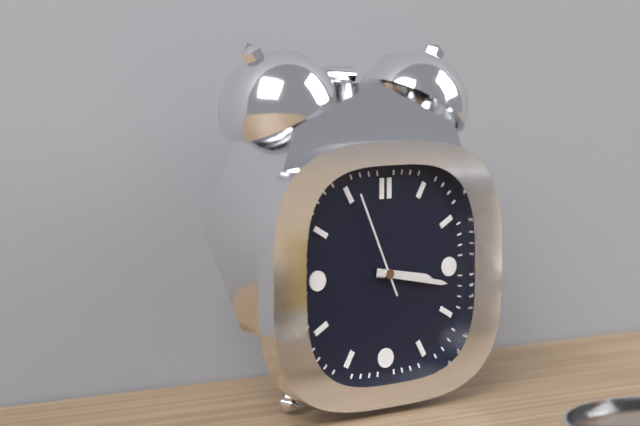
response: 3 h 17 min 56 s
